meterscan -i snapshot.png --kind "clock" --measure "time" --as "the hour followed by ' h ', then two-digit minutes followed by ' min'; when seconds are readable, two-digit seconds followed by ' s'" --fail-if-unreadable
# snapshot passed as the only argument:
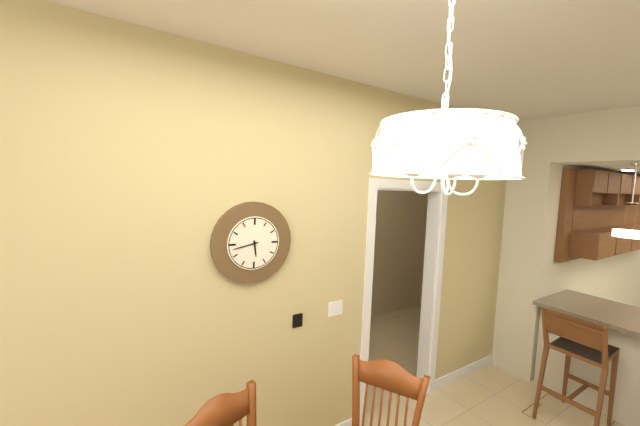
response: 5 h 43 min
